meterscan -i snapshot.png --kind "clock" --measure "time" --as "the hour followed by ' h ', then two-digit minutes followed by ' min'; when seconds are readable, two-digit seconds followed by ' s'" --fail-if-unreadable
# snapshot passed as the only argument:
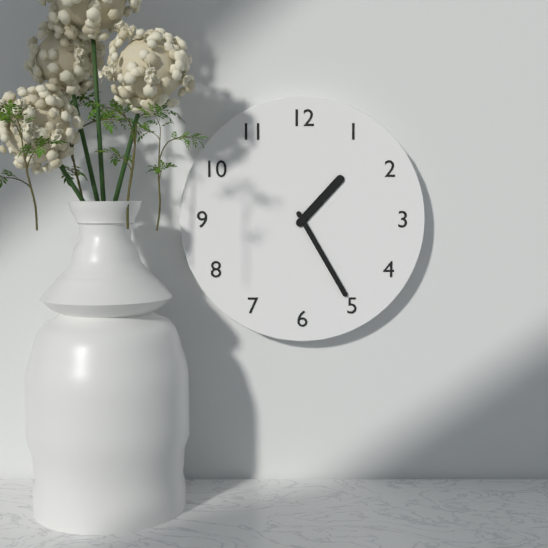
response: 1 h 25 min
